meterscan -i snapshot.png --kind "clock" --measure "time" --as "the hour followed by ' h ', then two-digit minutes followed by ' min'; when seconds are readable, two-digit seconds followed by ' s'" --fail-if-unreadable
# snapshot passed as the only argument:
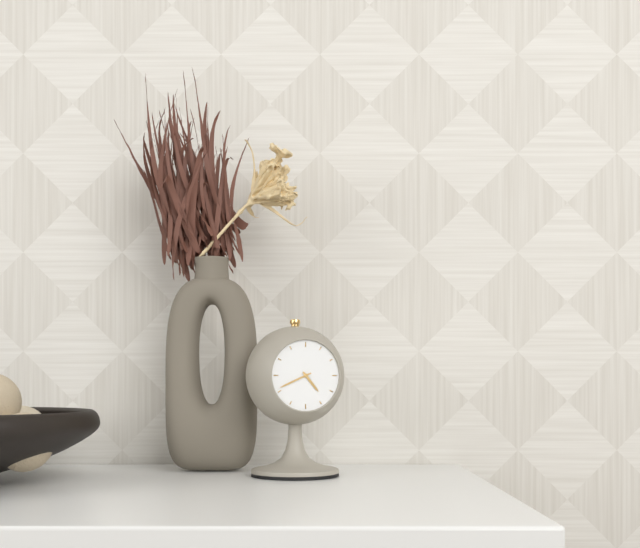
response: 4 h 41 min
